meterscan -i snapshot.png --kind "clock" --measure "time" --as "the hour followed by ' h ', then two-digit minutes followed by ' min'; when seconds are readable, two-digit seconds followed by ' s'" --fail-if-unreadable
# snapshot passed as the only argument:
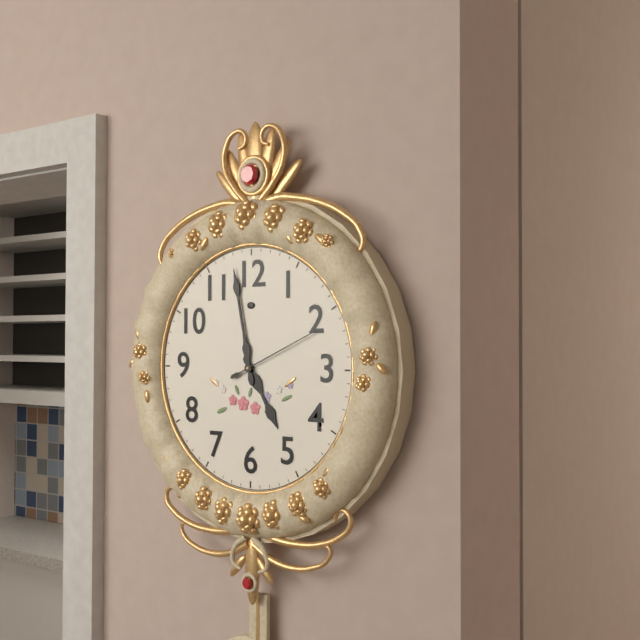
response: 4 h 58 min 11 s
